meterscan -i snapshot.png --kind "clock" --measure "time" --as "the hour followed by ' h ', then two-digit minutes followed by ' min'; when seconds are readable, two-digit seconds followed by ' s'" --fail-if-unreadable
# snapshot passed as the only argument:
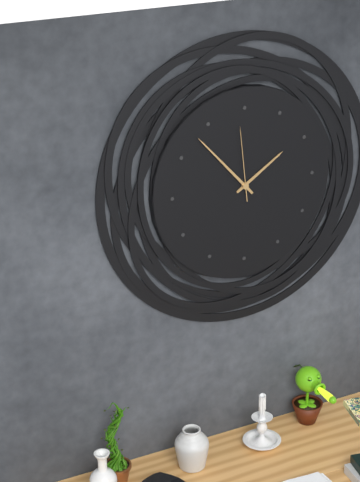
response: 1 h 53 min 59 s
